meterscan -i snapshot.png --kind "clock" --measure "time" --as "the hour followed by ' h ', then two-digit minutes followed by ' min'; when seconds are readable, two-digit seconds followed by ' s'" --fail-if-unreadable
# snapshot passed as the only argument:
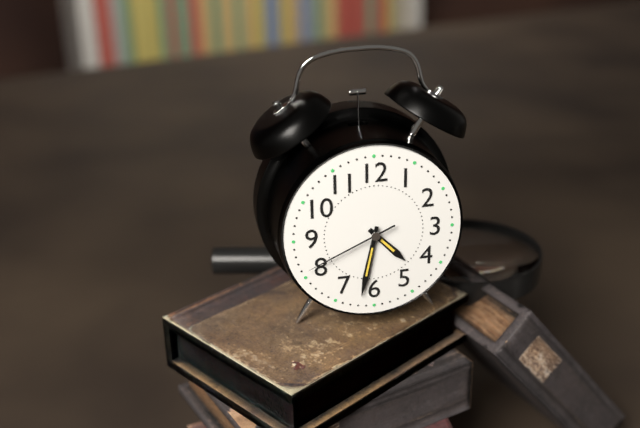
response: 4 h 32 min 41 s
